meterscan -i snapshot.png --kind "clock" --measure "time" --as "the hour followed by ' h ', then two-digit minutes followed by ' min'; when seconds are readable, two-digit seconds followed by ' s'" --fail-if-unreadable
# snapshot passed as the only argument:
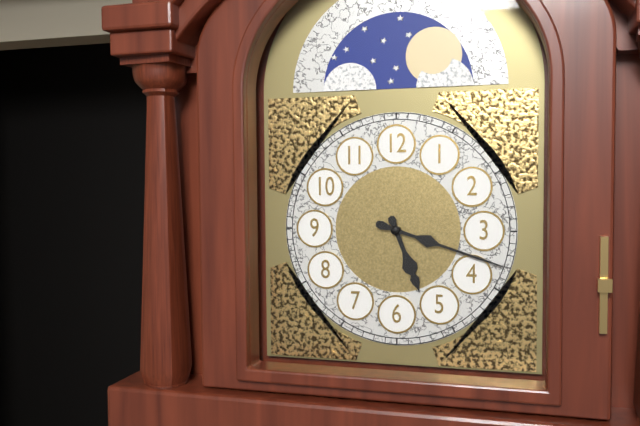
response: 5 h 18 min
